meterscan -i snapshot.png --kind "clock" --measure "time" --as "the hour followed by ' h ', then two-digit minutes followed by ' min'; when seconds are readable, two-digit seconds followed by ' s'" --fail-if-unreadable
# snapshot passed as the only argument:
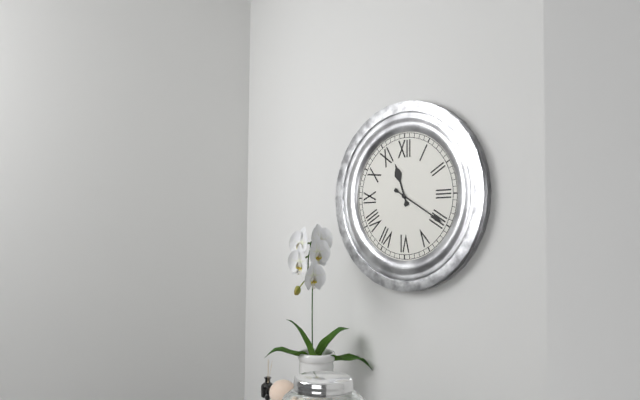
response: 11 h 20 min
